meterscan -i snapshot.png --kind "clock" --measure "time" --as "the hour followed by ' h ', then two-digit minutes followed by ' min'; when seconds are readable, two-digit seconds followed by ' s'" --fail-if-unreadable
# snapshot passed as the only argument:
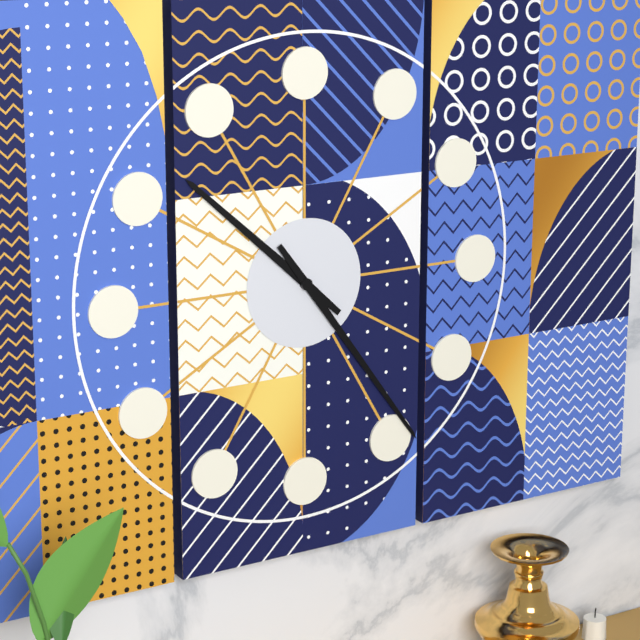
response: 10 h 24 min
